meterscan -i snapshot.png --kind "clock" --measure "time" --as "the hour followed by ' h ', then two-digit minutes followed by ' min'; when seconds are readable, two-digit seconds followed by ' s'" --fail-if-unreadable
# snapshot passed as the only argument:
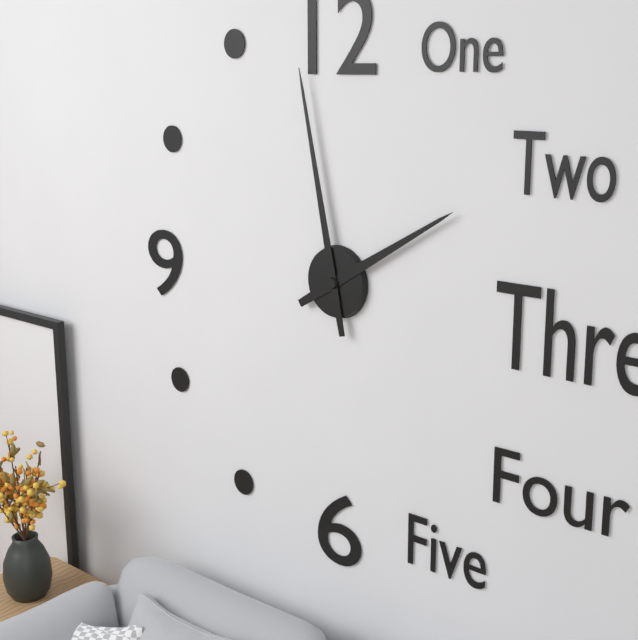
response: 1 h 58 min
